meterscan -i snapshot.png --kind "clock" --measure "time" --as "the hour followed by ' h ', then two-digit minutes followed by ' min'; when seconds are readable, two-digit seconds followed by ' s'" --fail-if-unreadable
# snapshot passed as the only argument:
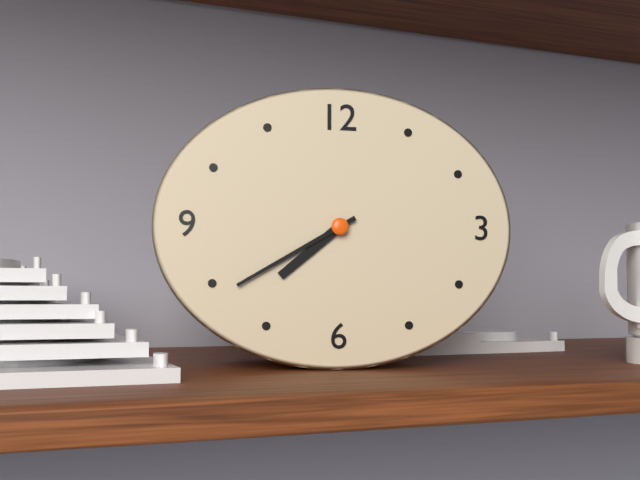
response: 7 h 40 min
